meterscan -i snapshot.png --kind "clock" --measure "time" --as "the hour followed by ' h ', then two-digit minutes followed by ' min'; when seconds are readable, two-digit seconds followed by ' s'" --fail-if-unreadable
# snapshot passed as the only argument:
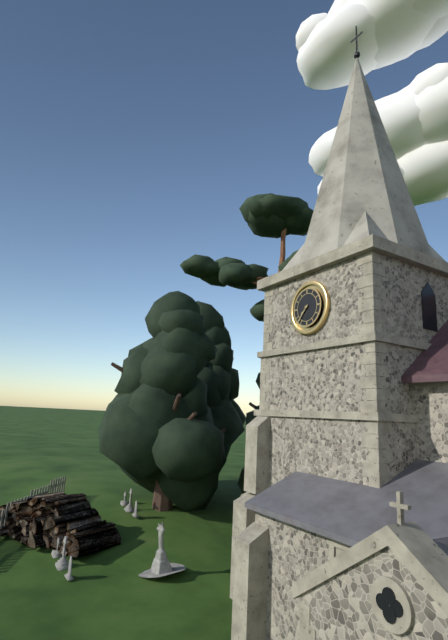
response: 7 h 37 min
